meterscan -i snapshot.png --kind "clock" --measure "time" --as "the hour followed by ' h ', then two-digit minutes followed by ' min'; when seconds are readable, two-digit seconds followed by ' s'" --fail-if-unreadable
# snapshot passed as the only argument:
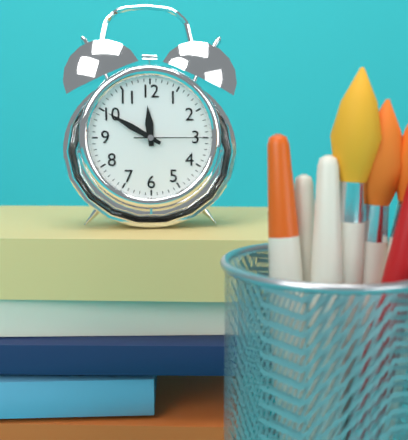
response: 11 h 50 min 15 s
